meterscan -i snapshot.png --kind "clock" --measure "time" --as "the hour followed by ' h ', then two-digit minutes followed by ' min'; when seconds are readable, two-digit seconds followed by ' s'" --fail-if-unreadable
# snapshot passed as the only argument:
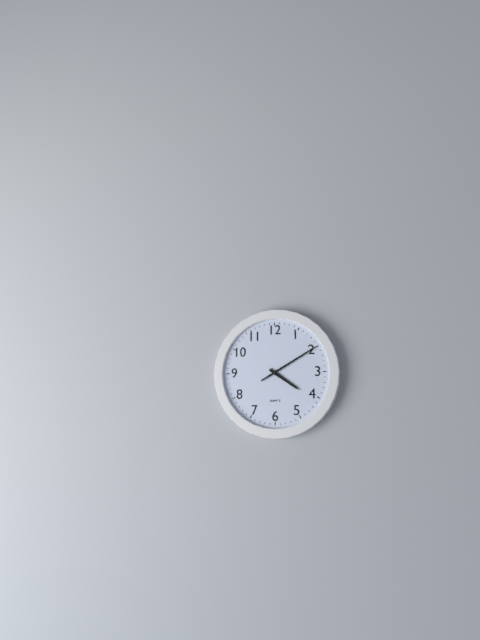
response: 4 h 10 min
